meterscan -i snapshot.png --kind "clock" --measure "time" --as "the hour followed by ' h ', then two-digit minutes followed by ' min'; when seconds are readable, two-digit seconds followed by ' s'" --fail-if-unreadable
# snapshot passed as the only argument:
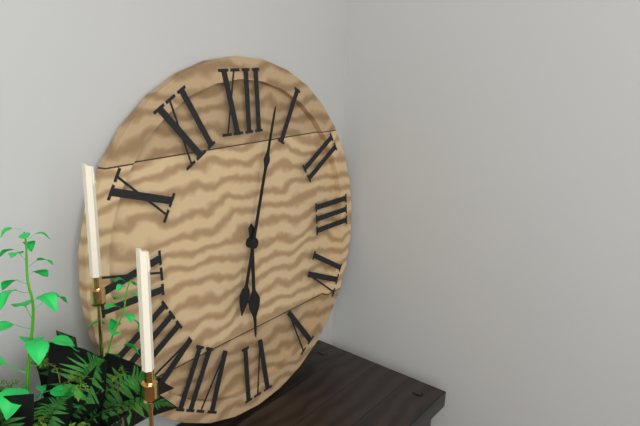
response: 6 h 03 min
